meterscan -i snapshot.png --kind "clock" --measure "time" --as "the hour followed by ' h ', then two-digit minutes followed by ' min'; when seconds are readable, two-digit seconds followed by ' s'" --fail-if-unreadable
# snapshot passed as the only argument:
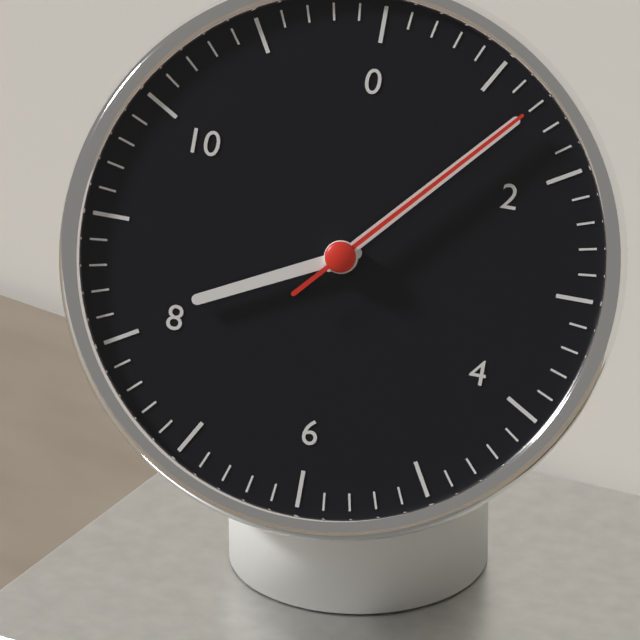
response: 8 h 07 min 07 s
